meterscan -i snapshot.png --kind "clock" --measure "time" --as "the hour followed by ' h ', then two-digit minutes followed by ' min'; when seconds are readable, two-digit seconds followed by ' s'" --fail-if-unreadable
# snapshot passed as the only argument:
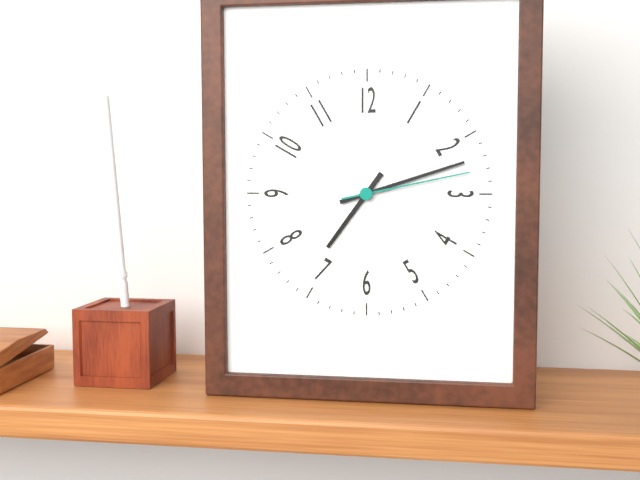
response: 7 h 12 min 13 s
